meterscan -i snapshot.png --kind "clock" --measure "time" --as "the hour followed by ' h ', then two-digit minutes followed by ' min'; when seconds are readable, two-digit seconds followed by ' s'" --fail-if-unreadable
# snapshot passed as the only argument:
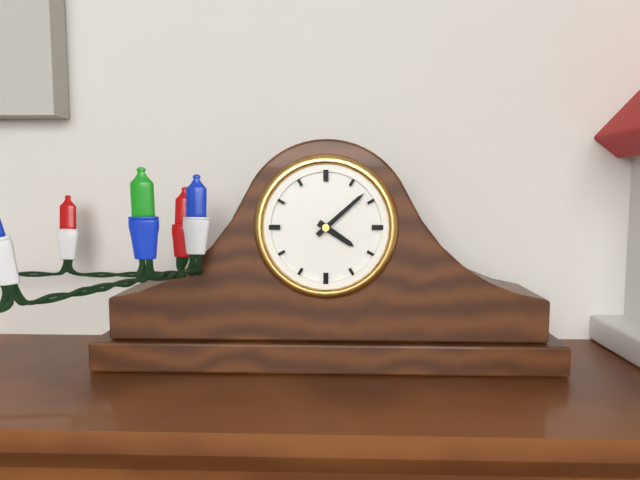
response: 4 h 08 min
